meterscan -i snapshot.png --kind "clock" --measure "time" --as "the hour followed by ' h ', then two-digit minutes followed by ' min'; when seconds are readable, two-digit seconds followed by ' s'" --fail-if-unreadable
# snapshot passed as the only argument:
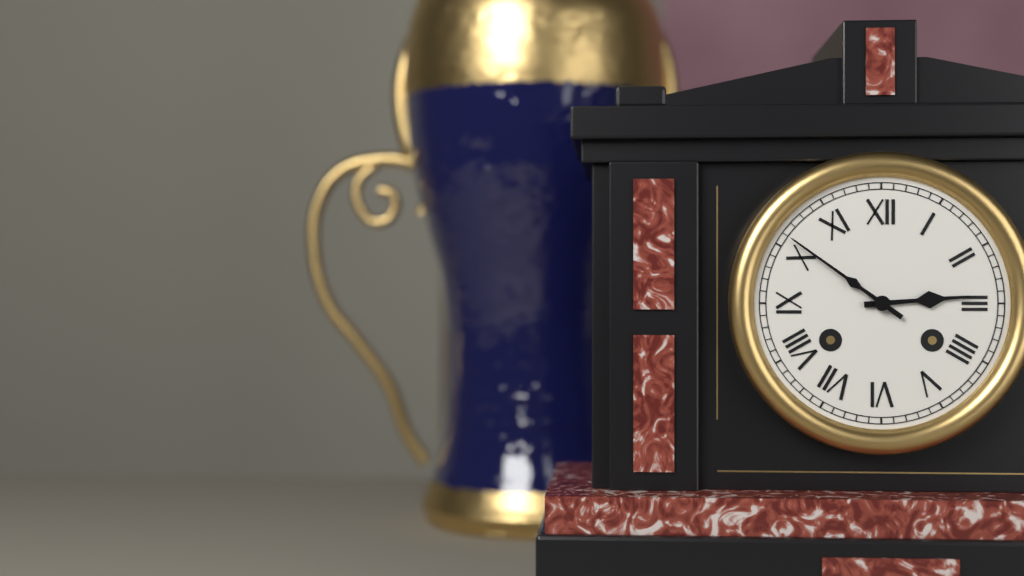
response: 2 h 51 min
